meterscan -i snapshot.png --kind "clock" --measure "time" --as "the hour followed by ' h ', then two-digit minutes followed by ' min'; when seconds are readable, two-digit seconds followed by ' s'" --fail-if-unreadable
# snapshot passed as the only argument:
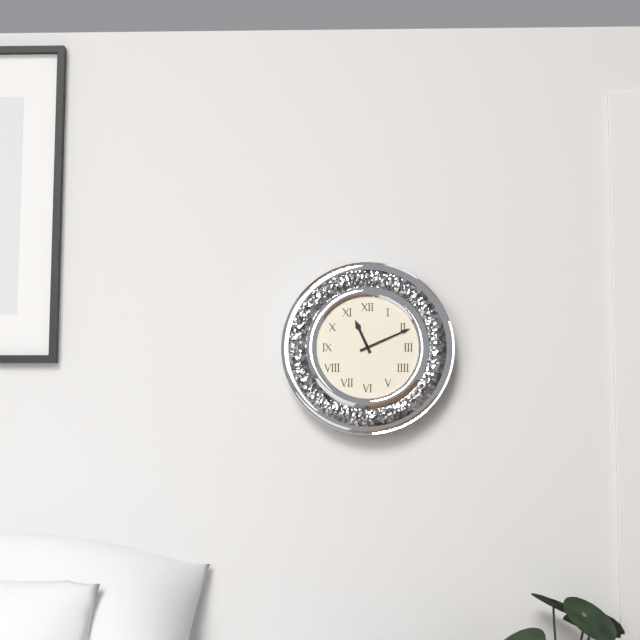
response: 11 h 11 min
